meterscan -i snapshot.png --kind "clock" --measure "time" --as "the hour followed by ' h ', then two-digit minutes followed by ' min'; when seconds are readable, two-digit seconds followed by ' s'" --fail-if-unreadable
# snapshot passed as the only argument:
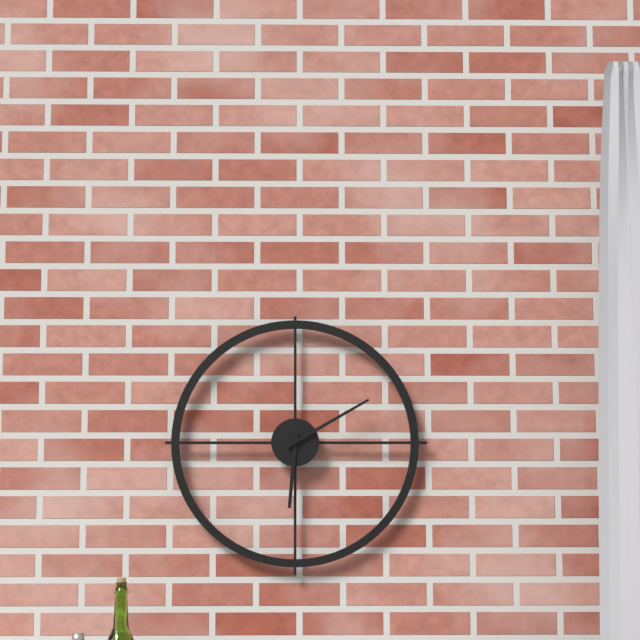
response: 6 h 10 min
